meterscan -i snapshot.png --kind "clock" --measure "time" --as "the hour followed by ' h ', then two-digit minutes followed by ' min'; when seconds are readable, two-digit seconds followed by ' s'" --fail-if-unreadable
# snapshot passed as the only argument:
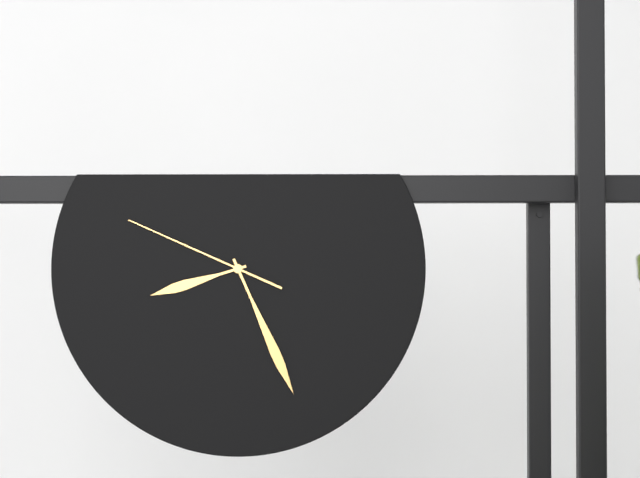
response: 8 h 26 min 49 s
